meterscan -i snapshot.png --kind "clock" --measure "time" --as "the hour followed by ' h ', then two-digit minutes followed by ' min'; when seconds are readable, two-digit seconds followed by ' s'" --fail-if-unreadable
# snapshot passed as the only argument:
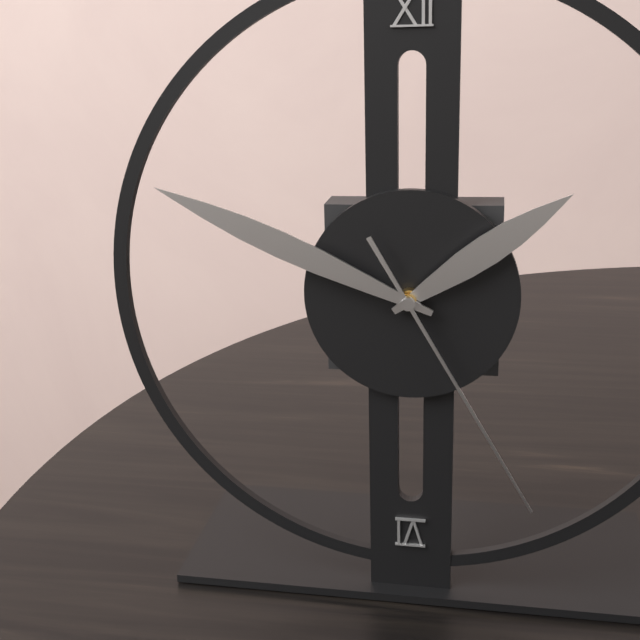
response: 1 h 49 min 25 s
